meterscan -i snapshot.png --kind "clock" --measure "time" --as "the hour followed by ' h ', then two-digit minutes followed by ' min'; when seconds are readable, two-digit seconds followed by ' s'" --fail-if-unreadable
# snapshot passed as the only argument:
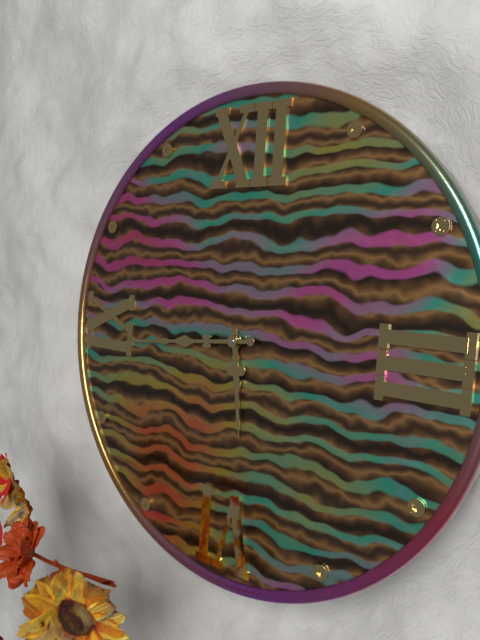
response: 5 h 44 min
